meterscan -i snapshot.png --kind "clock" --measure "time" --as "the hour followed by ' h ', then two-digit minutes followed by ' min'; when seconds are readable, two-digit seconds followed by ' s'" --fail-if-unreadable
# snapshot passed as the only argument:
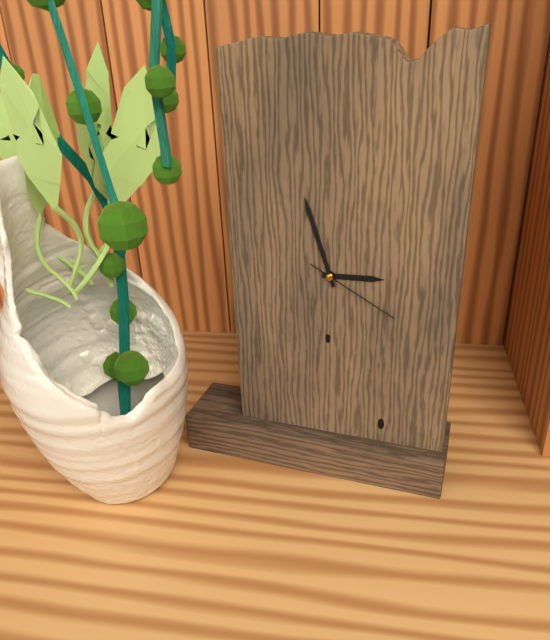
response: 2 h 57 min 20 s
